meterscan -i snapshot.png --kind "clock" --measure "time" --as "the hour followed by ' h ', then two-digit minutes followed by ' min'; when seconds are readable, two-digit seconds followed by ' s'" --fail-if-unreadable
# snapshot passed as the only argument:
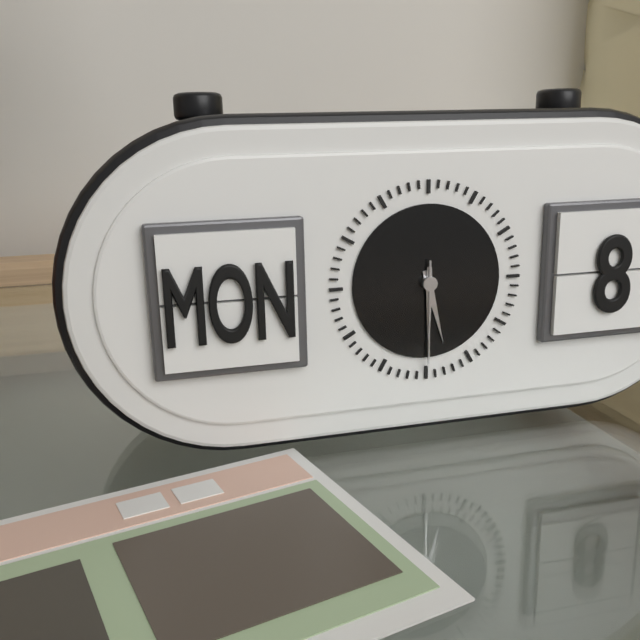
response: 5 h 30 min 30 s
